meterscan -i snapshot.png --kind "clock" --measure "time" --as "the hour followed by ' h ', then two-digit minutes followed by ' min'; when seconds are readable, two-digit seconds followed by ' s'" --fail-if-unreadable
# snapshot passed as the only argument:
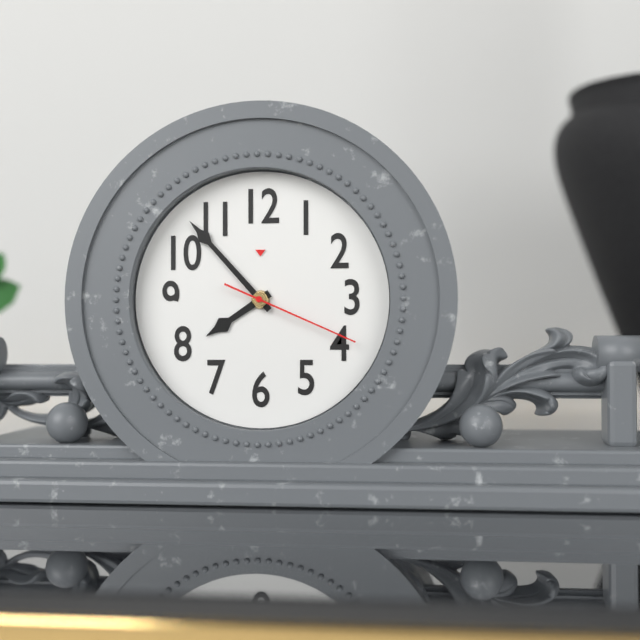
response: 7 h 53 min 19 s
